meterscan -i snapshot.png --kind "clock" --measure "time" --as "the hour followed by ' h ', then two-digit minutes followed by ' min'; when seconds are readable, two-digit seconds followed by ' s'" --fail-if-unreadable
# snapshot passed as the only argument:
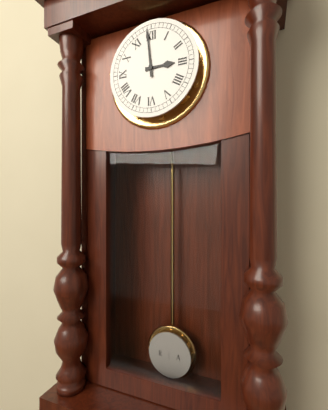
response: 2 h 59 min
